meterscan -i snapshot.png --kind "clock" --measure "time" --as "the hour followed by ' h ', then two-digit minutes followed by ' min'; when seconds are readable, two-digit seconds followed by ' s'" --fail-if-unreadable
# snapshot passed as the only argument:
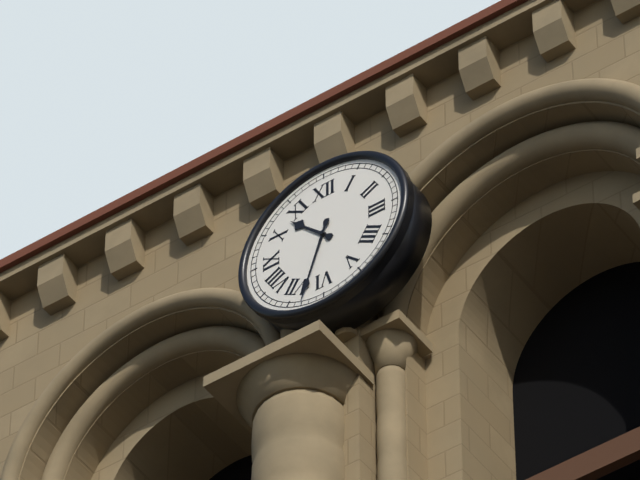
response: 10 h 33 min
